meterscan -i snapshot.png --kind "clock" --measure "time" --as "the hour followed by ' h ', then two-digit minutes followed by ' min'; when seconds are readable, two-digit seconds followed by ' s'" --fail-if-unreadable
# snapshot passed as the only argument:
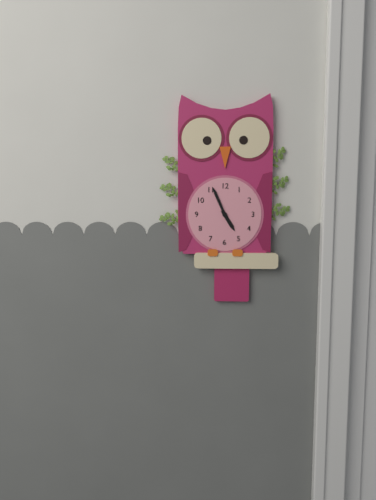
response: 4 h 56 min
